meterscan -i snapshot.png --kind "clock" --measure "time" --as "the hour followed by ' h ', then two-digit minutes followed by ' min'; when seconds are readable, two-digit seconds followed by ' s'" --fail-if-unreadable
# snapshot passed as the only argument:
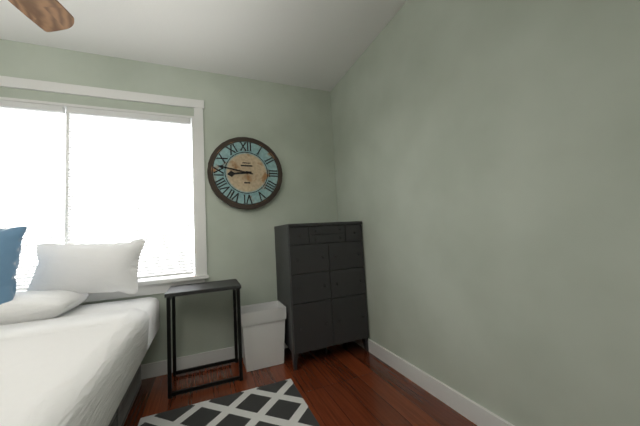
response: 8 h 47 min
